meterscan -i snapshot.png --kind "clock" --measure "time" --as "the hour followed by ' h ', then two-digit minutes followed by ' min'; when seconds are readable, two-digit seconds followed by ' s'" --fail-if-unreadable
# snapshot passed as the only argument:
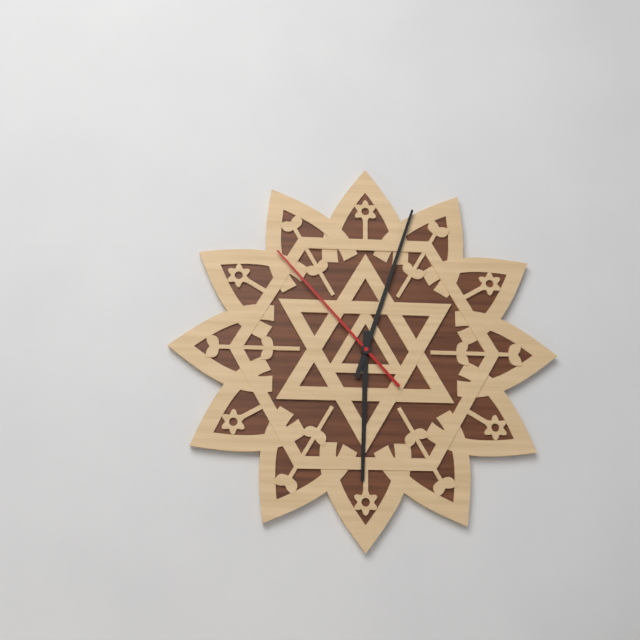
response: 6 h 03 min 53 s
